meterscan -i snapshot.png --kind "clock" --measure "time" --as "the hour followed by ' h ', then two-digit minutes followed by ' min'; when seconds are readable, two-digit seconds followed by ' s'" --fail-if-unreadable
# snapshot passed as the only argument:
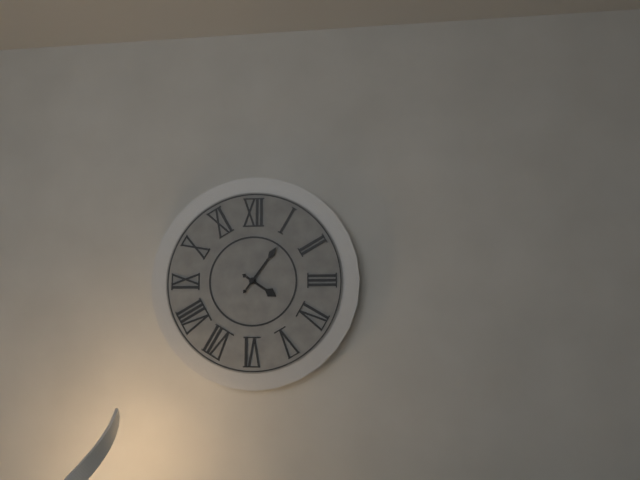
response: 4 h 06 min
